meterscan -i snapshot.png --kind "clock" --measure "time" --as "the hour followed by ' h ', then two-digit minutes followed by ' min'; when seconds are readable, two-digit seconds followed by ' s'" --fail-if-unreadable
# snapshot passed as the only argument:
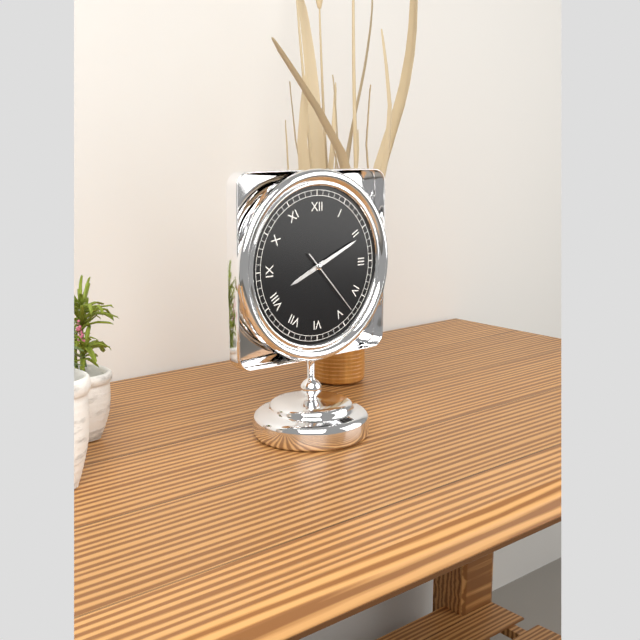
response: 8 h 11 min 23 s
